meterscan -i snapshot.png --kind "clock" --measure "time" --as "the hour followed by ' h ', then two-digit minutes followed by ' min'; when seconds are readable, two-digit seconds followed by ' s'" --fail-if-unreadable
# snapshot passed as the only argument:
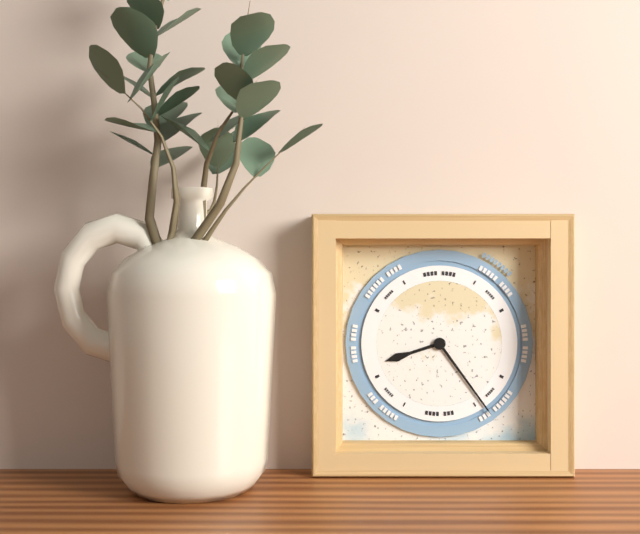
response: 8 h 24 min
